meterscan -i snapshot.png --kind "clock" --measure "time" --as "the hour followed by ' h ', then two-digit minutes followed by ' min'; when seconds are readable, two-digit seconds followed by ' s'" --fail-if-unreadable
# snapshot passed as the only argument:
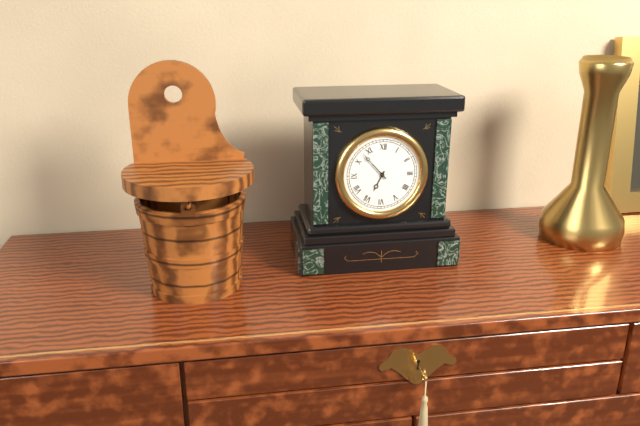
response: 6 h 53 min
